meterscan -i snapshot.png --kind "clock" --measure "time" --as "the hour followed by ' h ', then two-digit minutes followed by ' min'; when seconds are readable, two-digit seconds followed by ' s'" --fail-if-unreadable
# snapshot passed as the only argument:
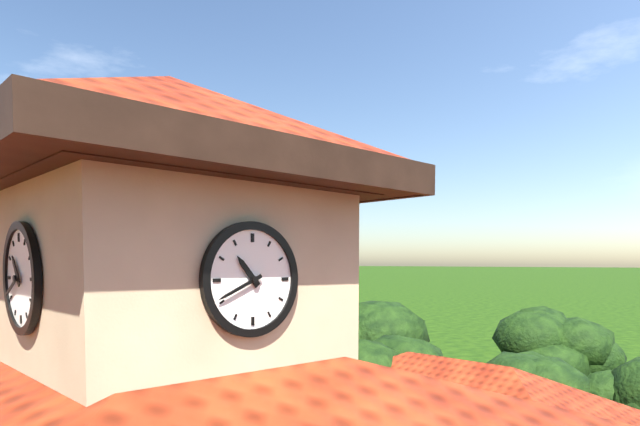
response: 10 h 41 min
